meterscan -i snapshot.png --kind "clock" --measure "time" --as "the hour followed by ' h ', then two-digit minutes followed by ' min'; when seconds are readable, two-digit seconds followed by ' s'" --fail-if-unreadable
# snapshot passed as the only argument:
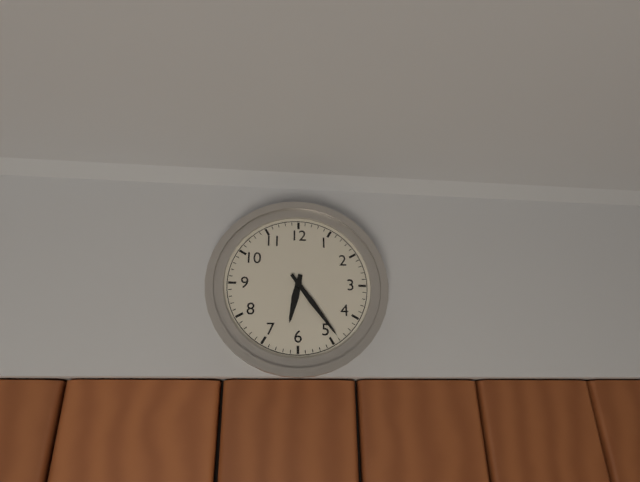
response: 6 h 24 min
